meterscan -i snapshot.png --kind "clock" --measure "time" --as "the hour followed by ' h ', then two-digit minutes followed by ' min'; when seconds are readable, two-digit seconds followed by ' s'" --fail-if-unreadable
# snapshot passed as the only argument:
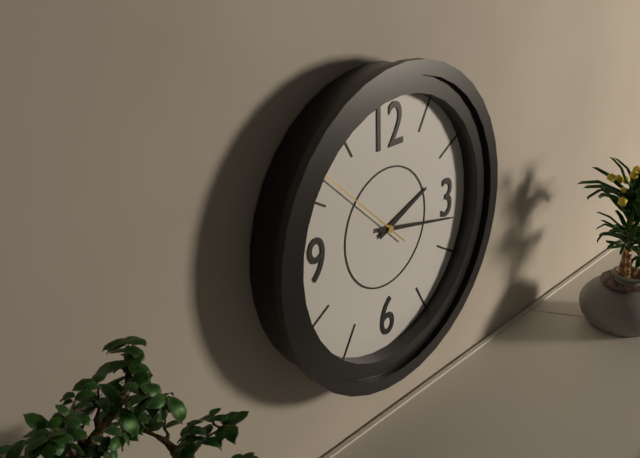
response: 2 h 17 min 52 s
